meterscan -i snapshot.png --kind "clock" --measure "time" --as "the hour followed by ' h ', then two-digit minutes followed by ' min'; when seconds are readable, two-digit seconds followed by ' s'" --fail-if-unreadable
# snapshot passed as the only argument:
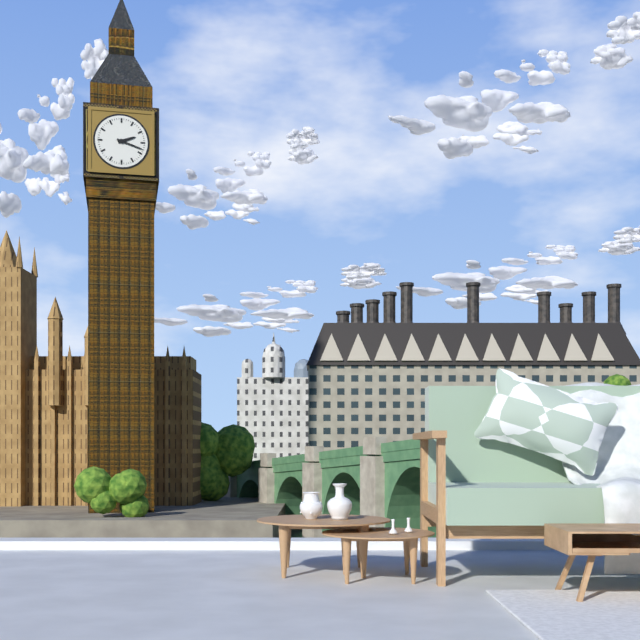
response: 2 h 18 min
